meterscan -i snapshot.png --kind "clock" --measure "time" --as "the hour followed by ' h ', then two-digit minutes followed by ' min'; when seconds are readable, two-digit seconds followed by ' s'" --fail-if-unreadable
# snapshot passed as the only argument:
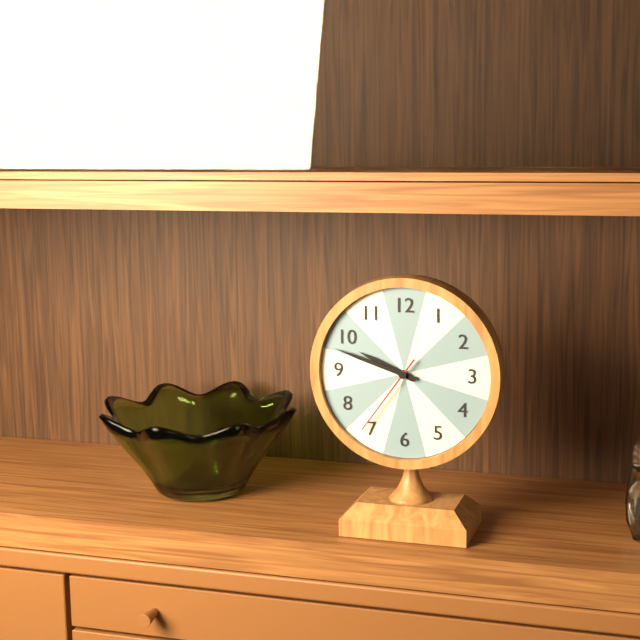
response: 9 h 48 min 36 s
